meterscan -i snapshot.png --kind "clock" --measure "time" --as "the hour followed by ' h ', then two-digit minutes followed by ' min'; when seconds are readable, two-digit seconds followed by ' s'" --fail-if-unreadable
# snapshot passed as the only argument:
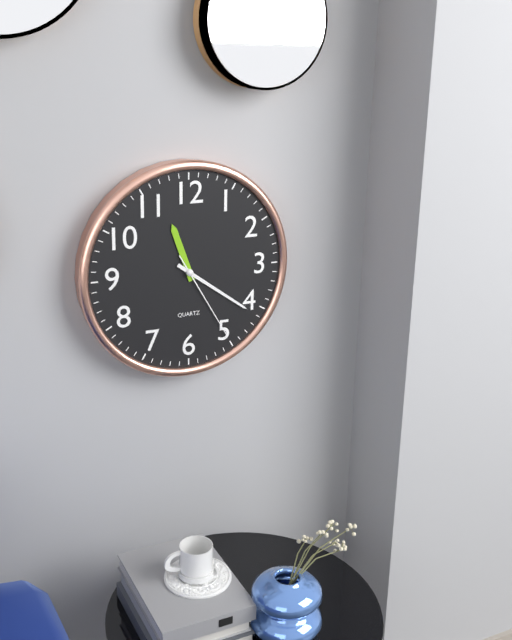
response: 11 h 21 min 25 s
